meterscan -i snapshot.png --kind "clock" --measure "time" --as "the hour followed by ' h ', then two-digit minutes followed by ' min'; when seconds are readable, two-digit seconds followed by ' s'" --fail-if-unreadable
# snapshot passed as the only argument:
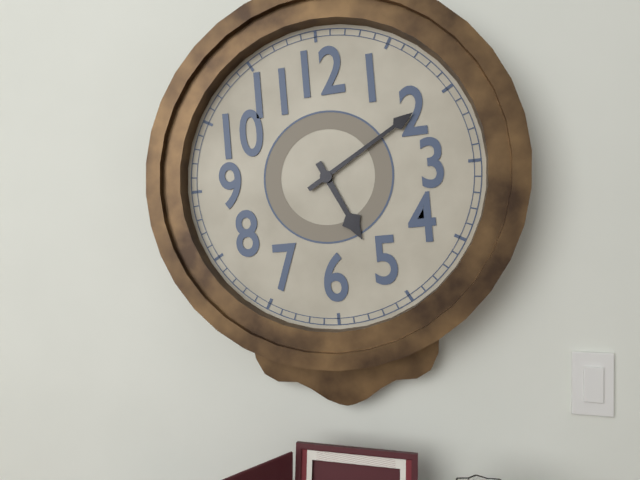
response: 5 h 10 min
